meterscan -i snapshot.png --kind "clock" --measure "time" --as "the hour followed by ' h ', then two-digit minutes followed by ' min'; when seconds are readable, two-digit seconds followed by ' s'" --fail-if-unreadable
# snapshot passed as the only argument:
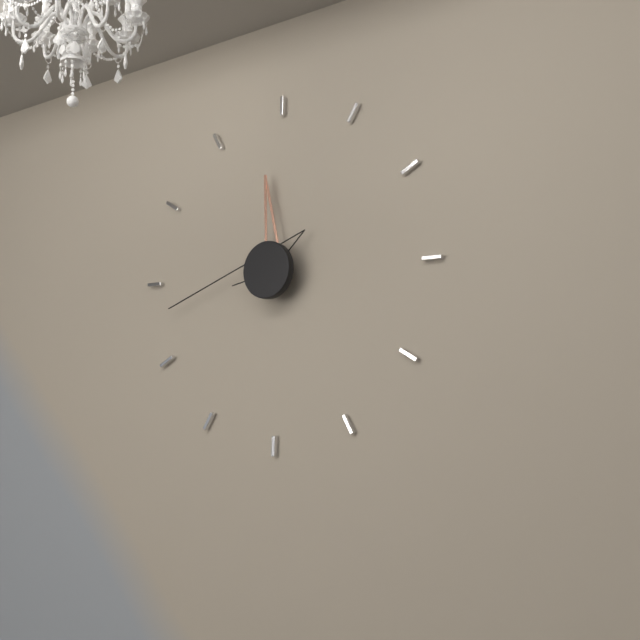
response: 11 h 43 min
